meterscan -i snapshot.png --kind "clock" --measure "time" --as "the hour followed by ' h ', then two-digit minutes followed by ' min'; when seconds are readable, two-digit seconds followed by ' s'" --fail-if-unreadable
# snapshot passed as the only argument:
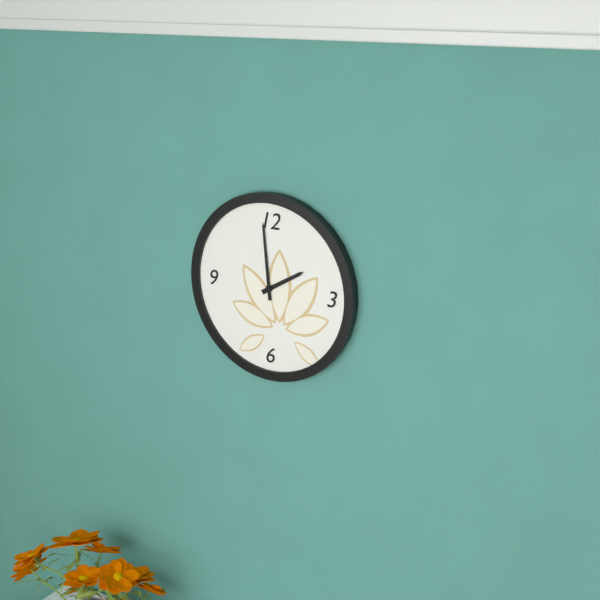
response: 1 h 59 min
